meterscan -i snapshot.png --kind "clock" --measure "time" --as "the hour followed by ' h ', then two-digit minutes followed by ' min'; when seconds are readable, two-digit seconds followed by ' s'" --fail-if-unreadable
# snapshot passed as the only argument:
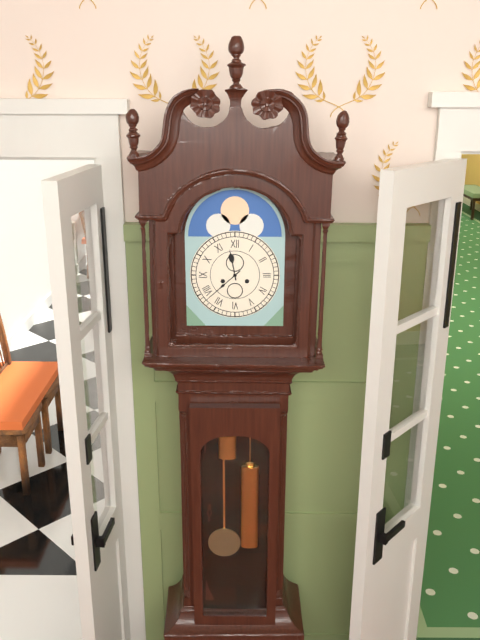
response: 11 h 38 min
